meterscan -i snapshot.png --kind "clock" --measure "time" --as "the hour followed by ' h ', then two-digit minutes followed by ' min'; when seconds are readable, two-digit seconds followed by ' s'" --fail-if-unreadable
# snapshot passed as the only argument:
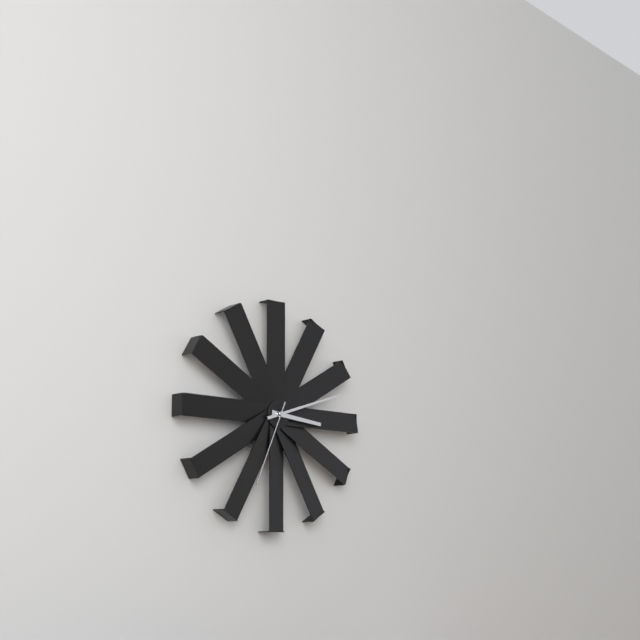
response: 3 h 12 min 34 s
